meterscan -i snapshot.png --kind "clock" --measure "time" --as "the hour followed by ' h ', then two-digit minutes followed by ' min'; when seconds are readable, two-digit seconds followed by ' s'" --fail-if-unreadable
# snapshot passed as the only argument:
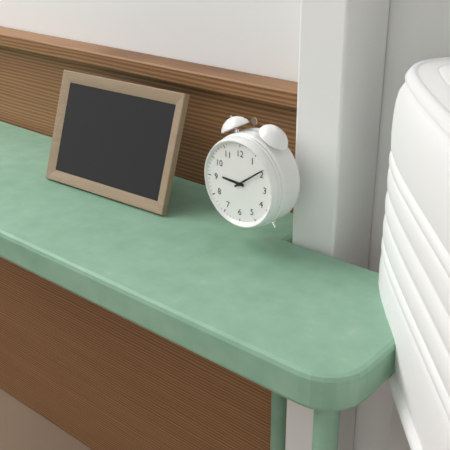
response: 9 h 09 min
